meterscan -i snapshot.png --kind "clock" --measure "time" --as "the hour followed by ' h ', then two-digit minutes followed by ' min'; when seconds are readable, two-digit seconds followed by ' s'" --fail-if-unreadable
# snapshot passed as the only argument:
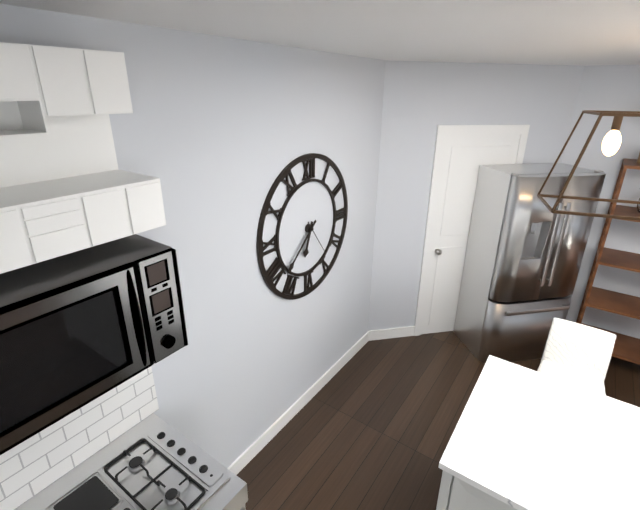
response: 6 h 38 min
